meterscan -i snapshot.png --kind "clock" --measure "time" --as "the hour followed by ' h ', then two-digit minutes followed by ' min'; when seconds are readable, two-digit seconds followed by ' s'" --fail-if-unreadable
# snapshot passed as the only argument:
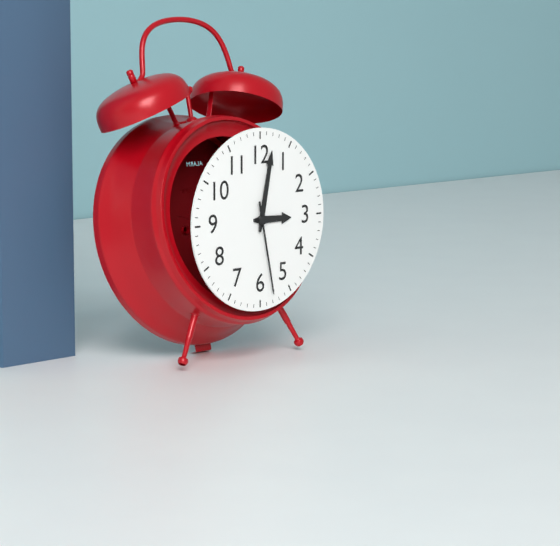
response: 3 h 02 min 28 s
